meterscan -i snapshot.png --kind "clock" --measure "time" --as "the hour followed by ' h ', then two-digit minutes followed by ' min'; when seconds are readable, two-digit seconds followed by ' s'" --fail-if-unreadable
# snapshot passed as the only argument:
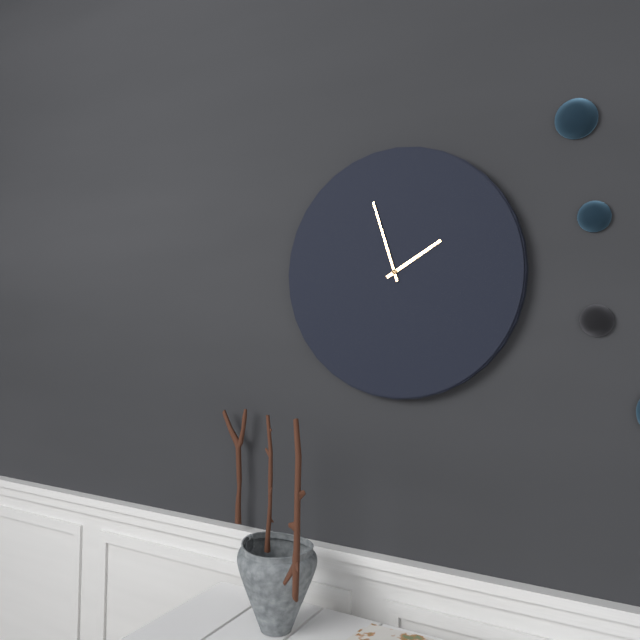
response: 1 h 57 min
